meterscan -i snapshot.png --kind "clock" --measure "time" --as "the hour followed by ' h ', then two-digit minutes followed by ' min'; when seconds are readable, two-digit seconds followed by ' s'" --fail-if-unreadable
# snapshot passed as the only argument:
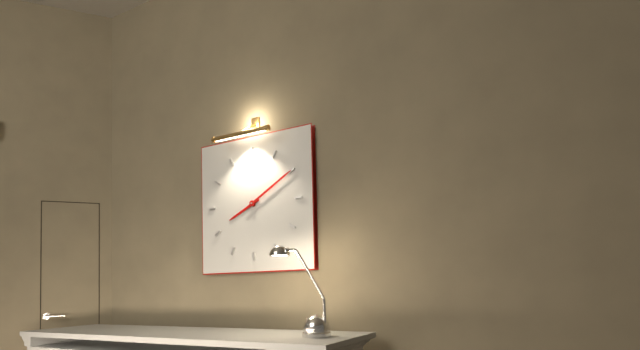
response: 8 h 10 min
